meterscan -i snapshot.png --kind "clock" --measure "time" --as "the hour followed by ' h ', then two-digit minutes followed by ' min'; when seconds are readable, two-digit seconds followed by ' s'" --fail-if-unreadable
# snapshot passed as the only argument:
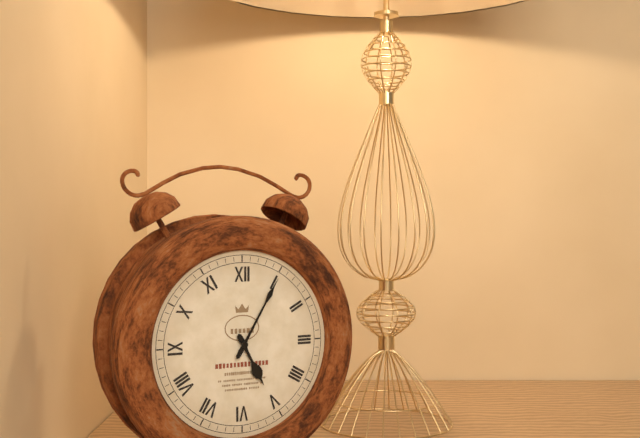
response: 5 h 05 min
